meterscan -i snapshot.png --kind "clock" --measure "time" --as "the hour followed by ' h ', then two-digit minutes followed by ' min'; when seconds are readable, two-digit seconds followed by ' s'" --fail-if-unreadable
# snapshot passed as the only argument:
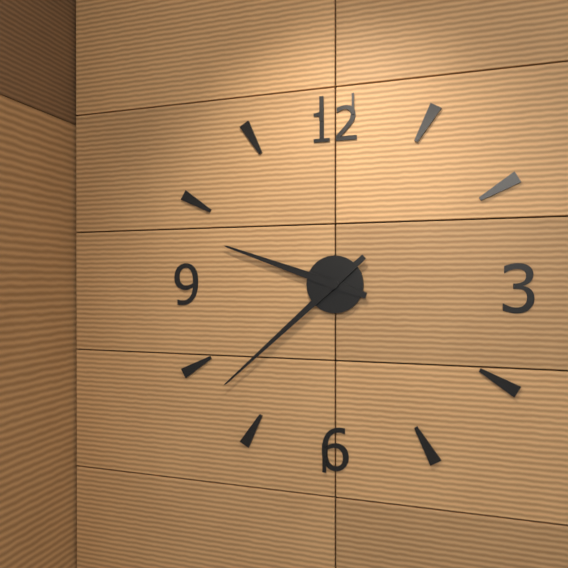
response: 9 h 38 min
